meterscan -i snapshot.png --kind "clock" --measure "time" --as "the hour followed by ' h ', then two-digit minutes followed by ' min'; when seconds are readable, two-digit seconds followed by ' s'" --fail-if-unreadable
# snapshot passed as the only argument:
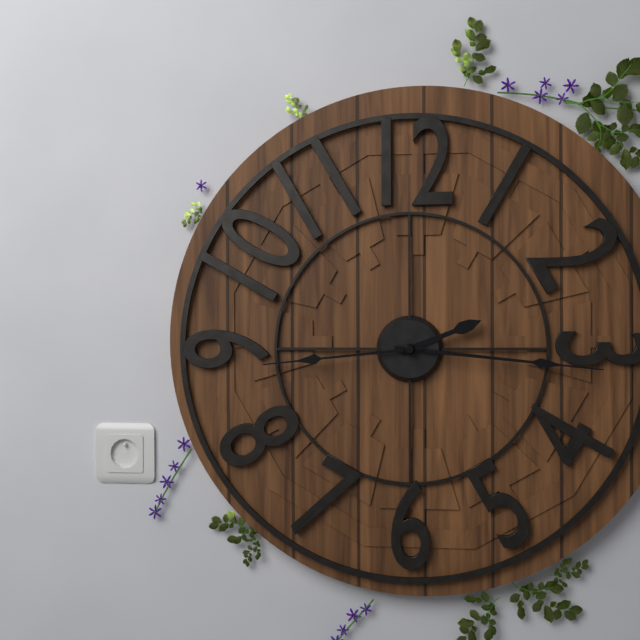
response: 2 h 16 min 44 s
